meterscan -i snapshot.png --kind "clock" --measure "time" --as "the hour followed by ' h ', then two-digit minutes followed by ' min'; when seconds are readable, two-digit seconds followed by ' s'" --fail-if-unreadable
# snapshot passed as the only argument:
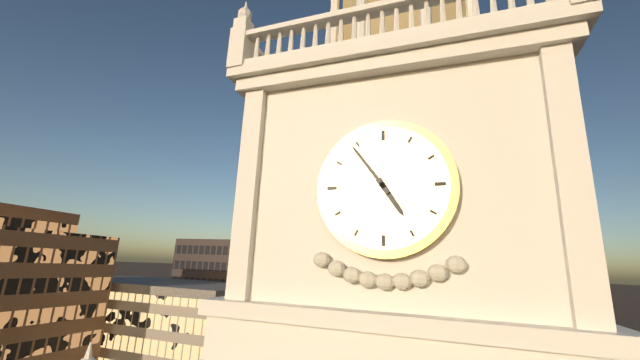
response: 4 h 54 min
